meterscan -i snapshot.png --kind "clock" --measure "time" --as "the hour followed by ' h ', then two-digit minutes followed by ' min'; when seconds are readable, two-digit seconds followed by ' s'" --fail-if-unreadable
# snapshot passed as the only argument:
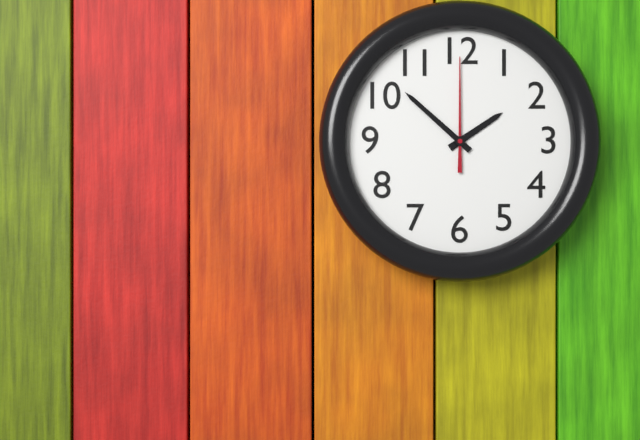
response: 1 h 52 min 00 s
